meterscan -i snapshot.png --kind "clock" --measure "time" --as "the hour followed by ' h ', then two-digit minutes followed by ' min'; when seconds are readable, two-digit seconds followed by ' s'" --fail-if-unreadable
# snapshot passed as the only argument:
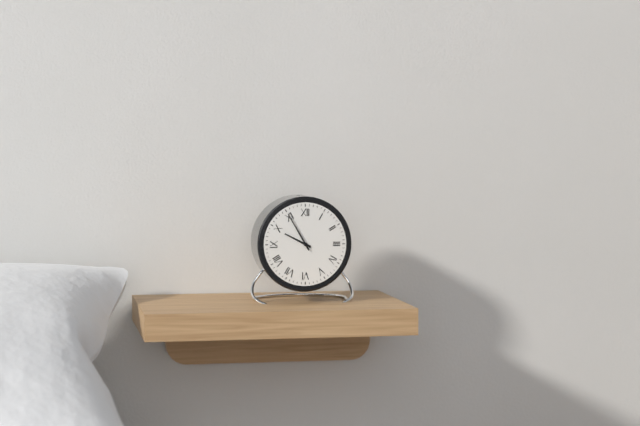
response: 9 h 55 min
